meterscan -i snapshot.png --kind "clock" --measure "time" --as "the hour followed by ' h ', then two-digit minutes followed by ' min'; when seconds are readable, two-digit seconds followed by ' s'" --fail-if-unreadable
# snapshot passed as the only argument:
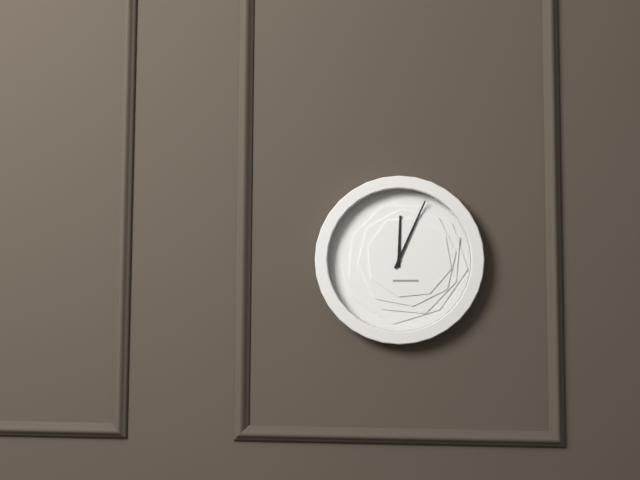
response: 12 h 04 min
